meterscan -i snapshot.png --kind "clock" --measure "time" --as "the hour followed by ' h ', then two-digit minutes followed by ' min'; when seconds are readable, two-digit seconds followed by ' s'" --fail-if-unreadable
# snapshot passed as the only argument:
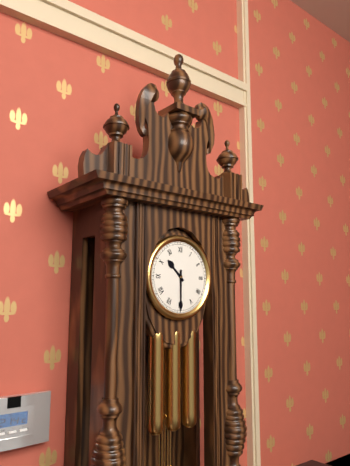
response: 10 h 30 min
